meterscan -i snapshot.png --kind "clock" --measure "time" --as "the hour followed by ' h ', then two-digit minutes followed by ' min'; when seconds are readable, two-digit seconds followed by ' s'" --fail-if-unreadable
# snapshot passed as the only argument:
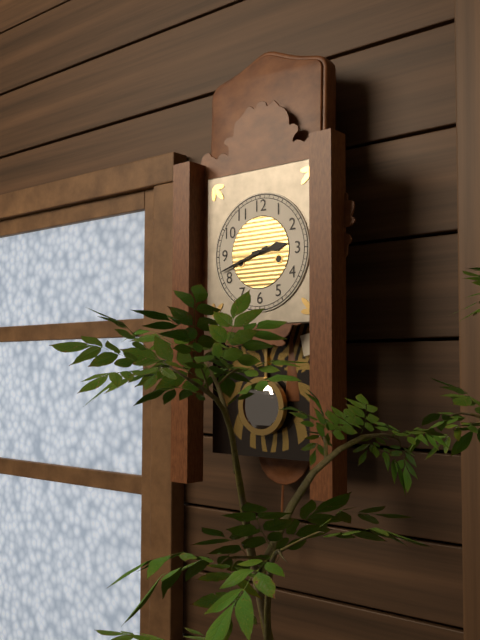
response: 2 h 42 min
